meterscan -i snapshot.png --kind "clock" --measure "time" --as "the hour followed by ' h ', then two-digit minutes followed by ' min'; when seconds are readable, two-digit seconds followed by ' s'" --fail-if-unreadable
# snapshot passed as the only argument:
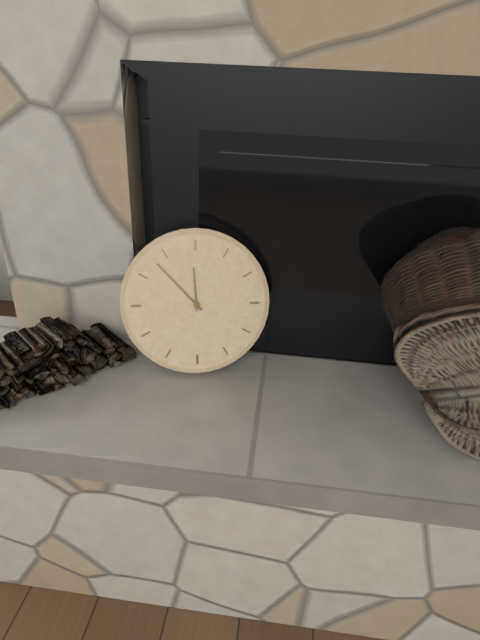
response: 11 h 53 min
